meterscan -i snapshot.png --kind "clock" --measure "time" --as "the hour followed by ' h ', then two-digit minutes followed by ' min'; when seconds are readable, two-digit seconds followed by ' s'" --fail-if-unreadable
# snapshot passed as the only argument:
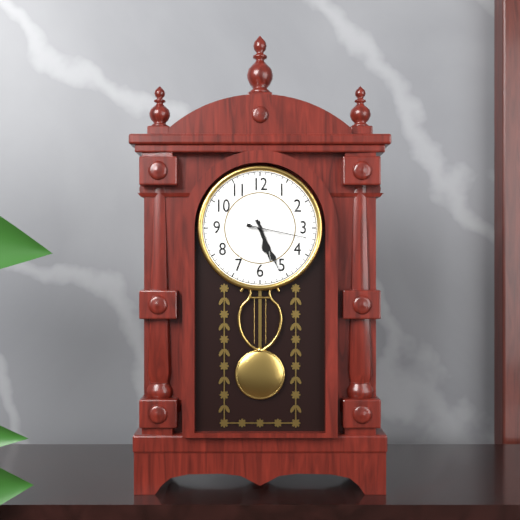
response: 5 h 26 min 17 s
